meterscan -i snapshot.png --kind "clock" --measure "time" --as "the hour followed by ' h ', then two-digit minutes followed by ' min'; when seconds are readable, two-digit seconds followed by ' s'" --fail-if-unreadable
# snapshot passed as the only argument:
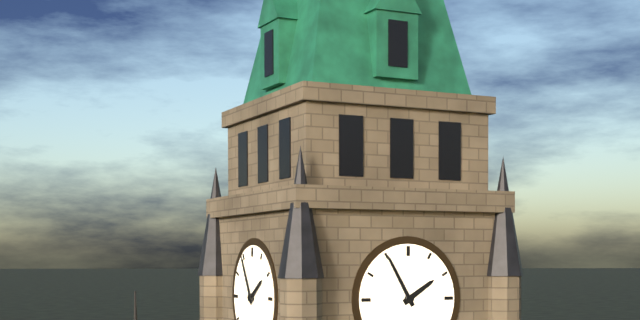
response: 1 h 55 min
